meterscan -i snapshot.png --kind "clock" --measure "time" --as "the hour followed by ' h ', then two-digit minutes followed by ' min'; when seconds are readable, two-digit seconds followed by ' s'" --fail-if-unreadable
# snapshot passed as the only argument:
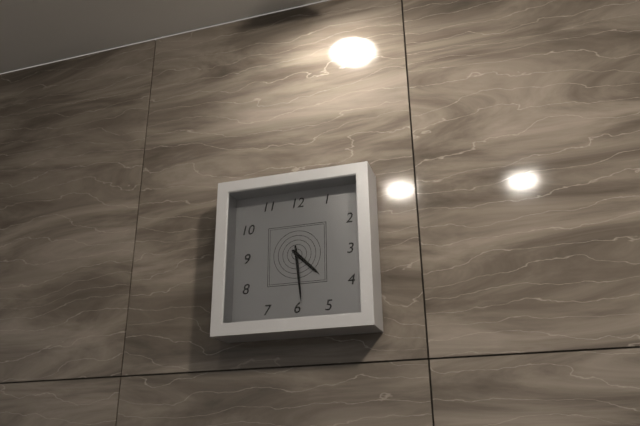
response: 4 h 29 min
